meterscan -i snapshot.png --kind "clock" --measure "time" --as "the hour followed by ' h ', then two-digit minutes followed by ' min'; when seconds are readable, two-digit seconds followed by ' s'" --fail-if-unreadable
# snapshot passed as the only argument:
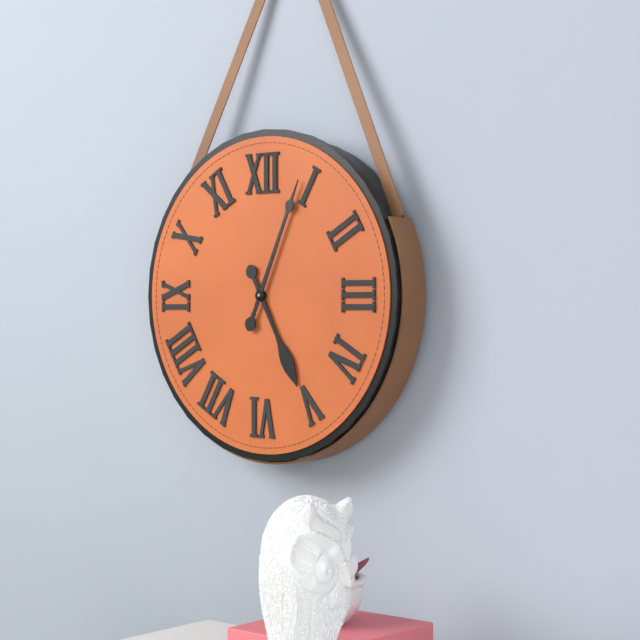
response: 5 h 04 min
